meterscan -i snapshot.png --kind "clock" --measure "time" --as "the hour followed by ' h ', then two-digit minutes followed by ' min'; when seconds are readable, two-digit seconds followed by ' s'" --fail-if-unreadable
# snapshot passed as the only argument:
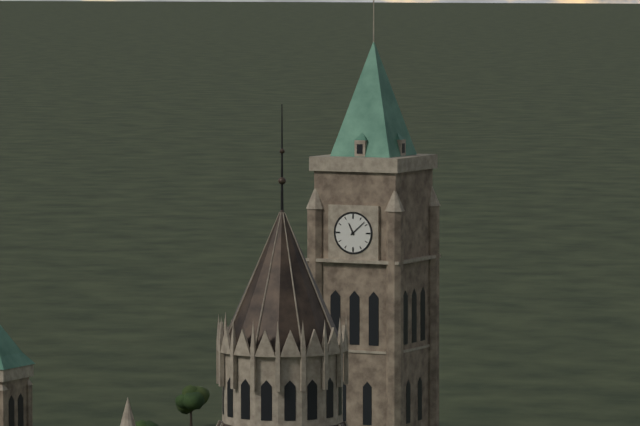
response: 11 h 08 min
